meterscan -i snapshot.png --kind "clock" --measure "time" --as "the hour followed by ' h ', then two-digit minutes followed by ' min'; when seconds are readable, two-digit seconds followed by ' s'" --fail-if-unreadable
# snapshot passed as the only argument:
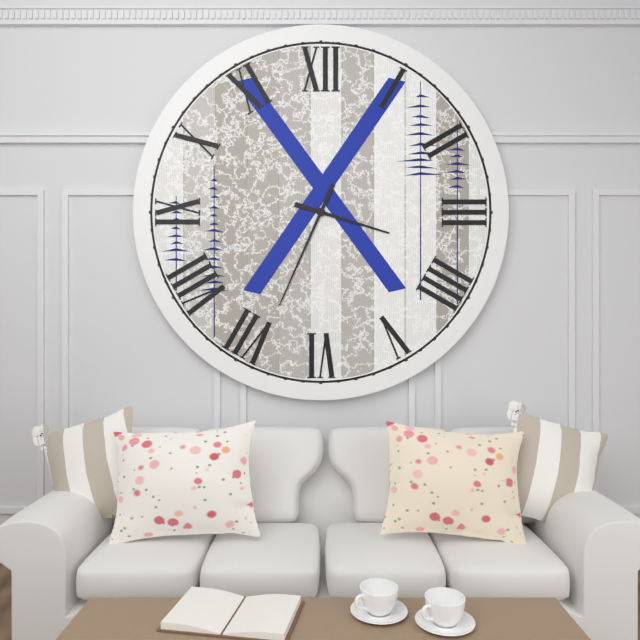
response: 3 h 34 min
